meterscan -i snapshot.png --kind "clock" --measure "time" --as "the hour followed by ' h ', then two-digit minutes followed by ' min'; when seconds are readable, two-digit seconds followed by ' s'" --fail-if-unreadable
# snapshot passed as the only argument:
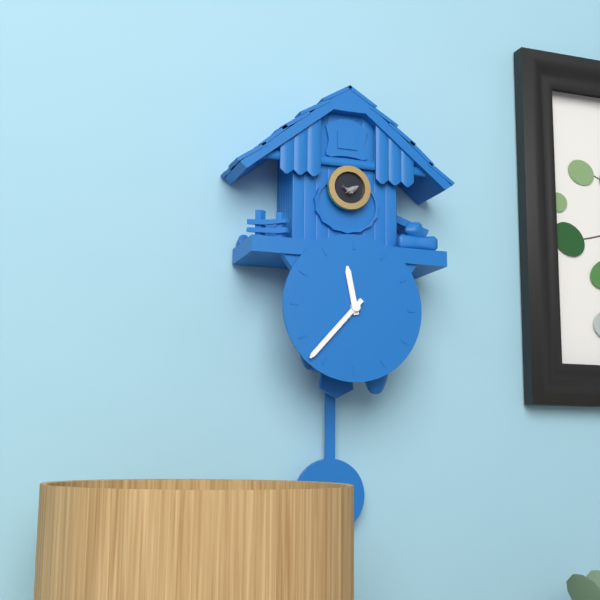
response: 11 h 37 min
